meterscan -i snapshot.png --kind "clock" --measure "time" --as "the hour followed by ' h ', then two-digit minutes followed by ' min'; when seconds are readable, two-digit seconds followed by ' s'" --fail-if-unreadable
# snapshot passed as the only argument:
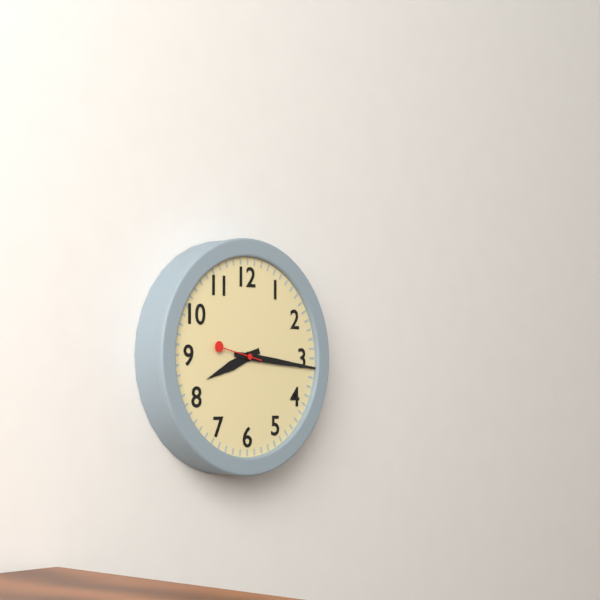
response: 8 h 16 min
